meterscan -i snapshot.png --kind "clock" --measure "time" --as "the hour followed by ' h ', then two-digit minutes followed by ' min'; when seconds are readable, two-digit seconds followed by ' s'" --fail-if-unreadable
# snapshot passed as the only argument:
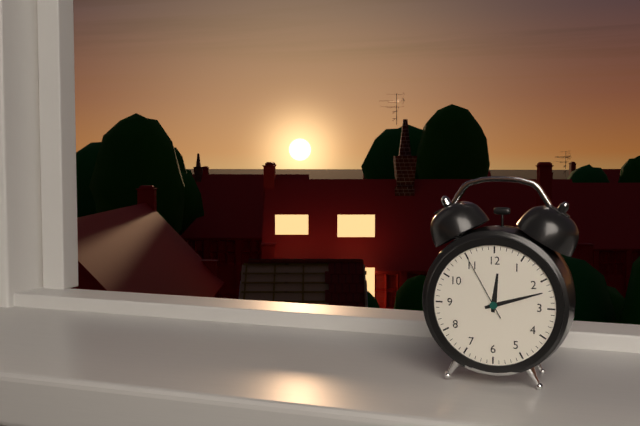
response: 12 h 12 min 55 s
